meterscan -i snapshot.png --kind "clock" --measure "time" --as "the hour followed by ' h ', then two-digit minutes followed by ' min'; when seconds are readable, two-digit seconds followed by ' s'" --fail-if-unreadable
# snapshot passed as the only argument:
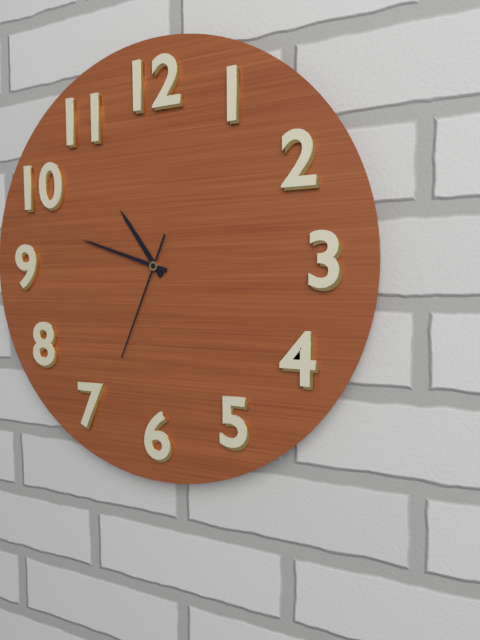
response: 10 h 48 min 34 s
